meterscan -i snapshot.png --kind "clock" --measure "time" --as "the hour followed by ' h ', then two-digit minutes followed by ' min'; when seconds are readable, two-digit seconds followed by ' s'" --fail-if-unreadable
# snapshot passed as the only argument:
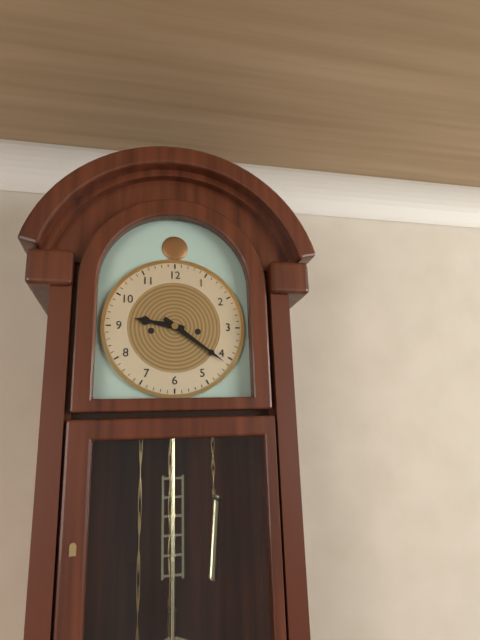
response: 9 h 21 min
